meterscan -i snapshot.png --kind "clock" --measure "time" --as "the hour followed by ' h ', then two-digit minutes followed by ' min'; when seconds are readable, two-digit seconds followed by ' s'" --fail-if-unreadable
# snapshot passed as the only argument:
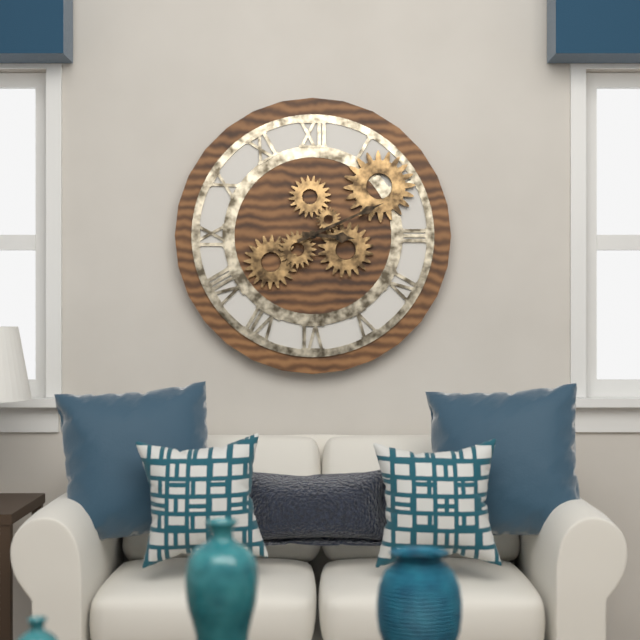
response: 3 h 11 min
